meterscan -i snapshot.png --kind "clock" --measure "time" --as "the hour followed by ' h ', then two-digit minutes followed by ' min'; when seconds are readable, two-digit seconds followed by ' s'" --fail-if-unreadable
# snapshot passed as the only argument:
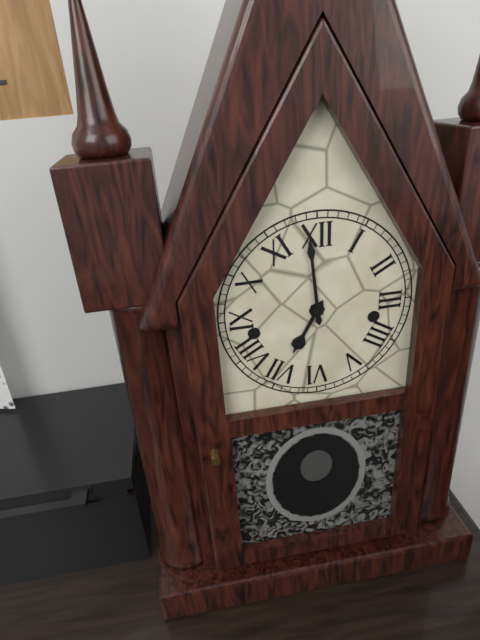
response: 6 h 59 min
